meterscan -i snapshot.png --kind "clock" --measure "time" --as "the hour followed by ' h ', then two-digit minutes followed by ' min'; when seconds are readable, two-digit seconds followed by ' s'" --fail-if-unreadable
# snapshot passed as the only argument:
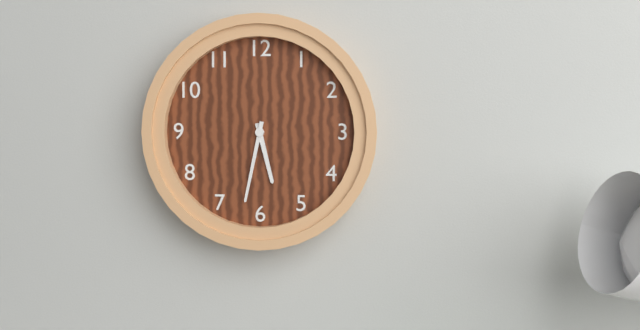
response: 5 h 32 min
